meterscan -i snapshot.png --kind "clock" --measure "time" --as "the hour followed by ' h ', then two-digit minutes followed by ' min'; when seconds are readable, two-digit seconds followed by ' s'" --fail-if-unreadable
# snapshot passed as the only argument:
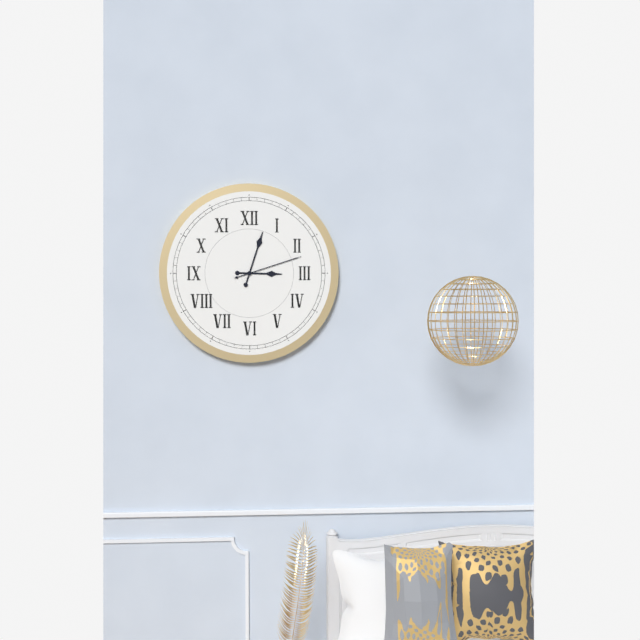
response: 3 h 03 min 12 s
